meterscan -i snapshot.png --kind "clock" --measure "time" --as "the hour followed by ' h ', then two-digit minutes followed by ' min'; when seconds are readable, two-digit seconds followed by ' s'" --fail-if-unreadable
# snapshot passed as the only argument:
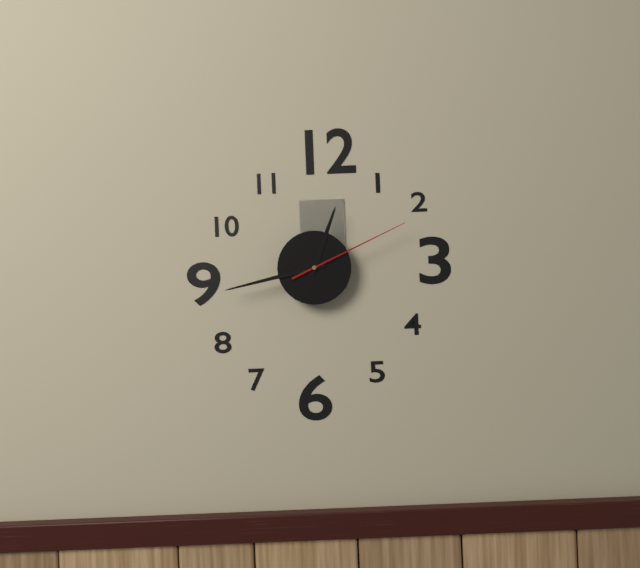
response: 12 h 43 min 11 s
